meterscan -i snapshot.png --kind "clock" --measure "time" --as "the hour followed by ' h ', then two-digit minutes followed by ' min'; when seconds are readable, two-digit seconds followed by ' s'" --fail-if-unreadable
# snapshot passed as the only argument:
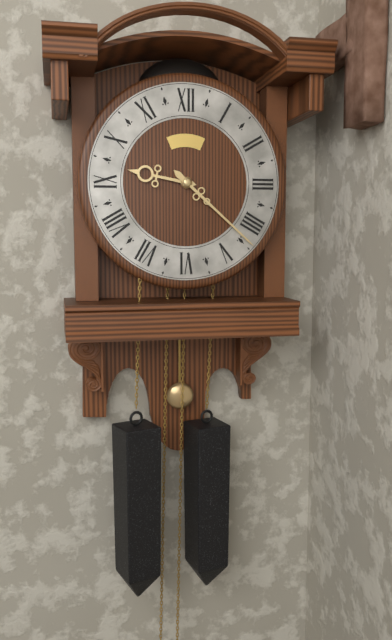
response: 9 h 22 min
